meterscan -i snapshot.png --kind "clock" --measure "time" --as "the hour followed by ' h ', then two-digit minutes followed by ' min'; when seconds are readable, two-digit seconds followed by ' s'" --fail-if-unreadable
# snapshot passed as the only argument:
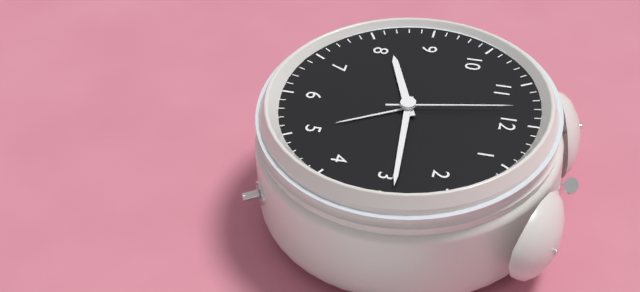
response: 8 h 14 min 58 s
